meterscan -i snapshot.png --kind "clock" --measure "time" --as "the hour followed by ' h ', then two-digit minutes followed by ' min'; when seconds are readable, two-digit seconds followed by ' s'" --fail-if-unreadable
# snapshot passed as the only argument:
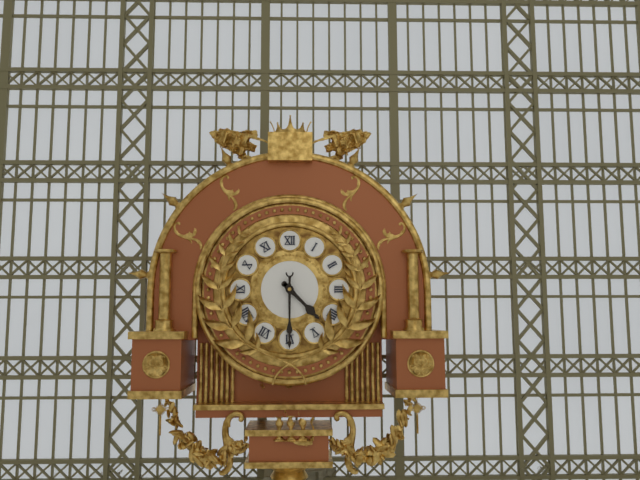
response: 4 h 30 min
